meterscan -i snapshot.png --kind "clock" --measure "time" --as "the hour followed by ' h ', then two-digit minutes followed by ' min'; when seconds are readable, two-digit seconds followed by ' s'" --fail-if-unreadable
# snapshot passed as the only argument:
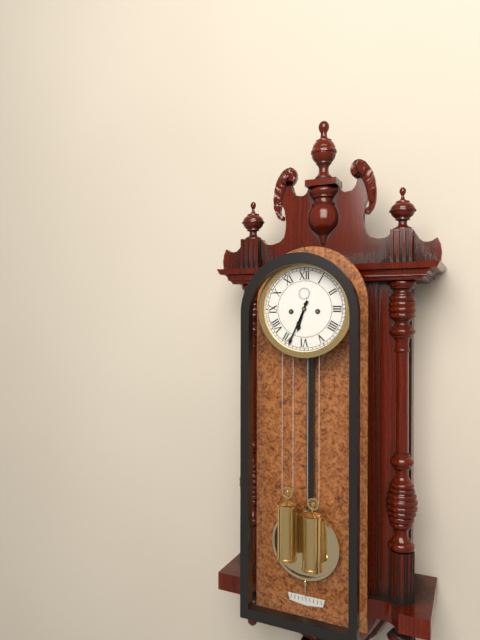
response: 6 h 34 min
